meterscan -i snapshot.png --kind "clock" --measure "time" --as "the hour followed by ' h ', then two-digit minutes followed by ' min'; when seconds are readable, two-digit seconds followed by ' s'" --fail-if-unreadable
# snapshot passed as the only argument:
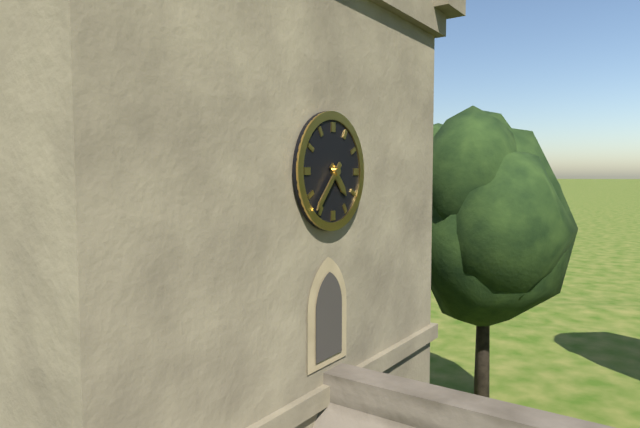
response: 4 h 37 min
